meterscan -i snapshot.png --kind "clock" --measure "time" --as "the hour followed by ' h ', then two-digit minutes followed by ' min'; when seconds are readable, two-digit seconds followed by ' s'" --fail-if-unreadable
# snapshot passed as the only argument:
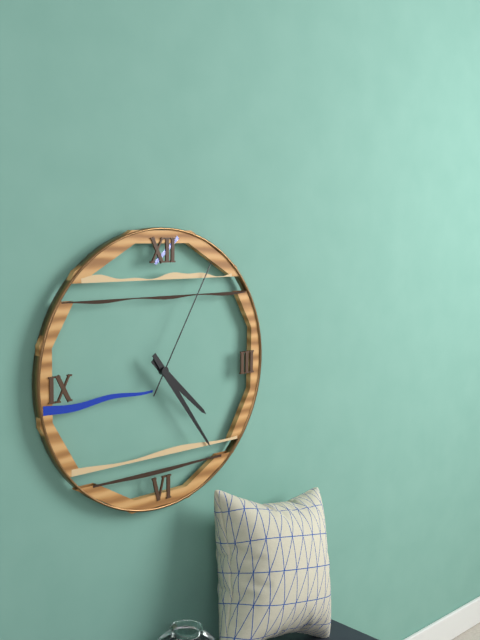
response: 4 h 24 min 05 s
